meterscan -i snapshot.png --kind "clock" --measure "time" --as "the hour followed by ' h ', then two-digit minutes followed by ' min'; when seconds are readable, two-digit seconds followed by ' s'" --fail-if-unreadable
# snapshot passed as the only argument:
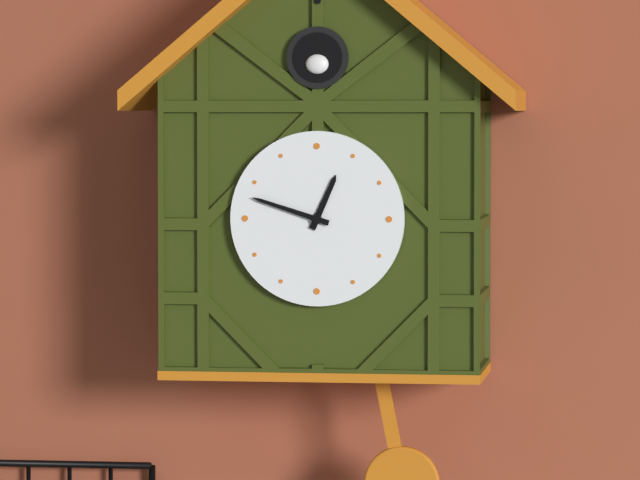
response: 12 h 48 min
